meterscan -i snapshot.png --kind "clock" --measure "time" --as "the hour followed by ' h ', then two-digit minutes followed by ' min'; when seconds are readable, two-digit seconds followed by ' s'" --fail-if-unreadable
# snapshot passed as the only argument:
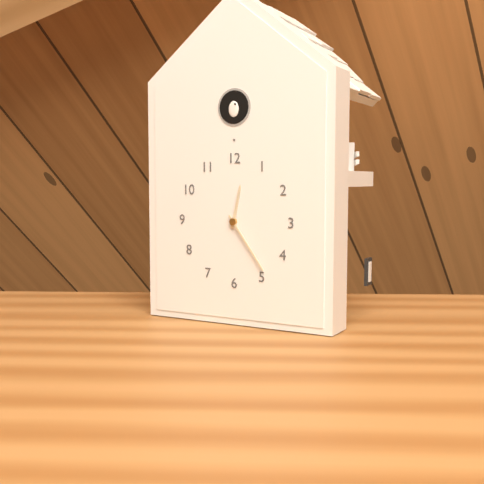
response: 12 h 24 min
